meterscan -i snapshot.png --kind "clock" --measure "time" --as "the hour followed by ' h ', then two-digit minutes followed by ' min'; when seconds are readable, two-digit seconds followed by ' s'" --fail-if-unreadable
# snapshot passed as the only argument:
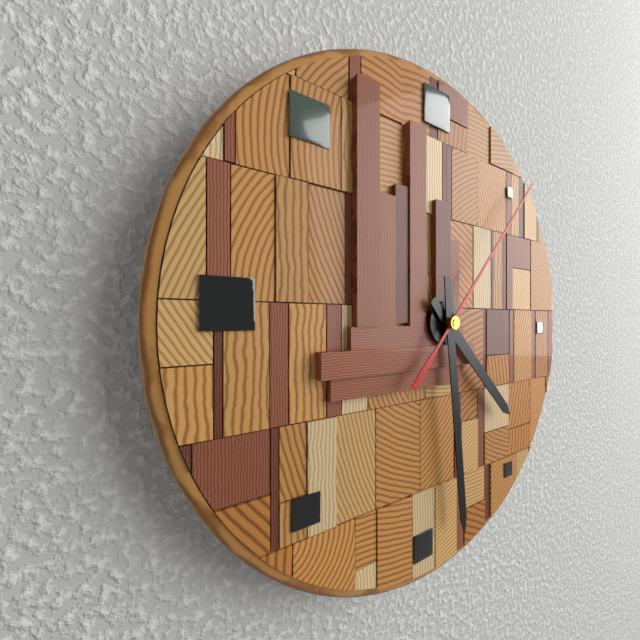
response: 4 h 29 min 07 s
